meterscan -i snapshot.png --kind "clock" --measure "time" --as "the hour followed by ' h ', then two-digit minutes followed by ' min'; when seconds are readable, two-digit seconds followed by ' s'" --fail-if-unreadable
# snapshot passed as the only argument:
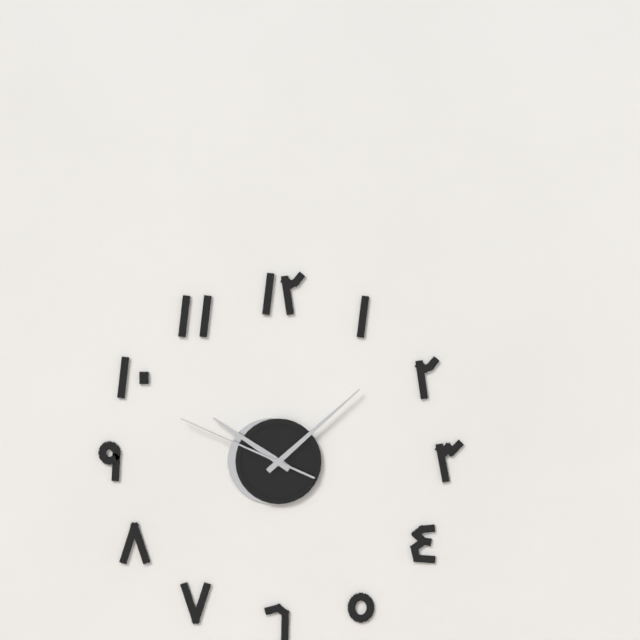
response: 10 h 08 min 49 s
